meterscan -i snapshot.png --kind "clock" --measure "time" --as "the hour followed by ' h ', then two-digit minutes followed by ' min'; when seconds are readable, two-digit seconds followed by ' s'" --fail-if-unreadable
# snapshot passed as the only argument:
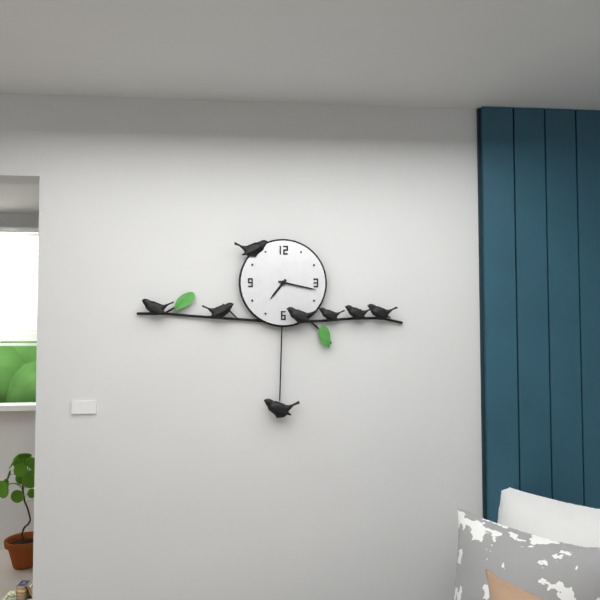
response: 7 h 17 min
